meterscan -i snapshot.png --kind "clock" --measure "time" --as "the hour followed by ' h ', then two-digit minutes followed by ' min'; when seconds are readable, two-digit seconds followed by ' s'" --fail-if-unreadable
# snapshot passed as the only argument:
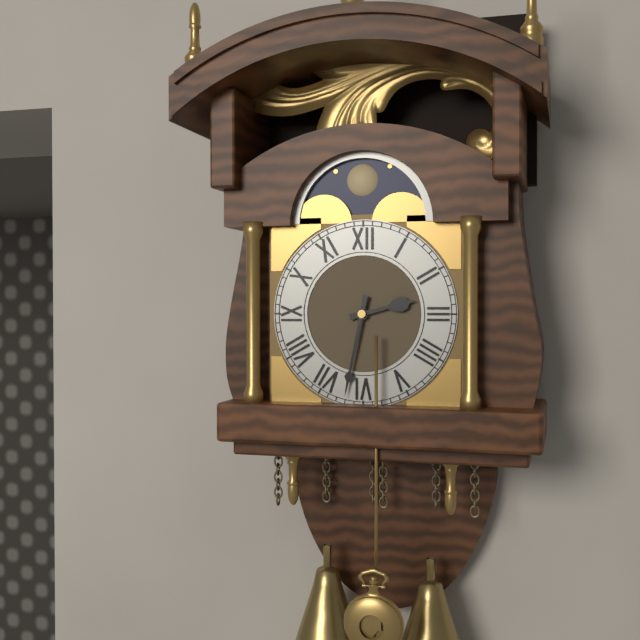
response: 2 h 32 min
